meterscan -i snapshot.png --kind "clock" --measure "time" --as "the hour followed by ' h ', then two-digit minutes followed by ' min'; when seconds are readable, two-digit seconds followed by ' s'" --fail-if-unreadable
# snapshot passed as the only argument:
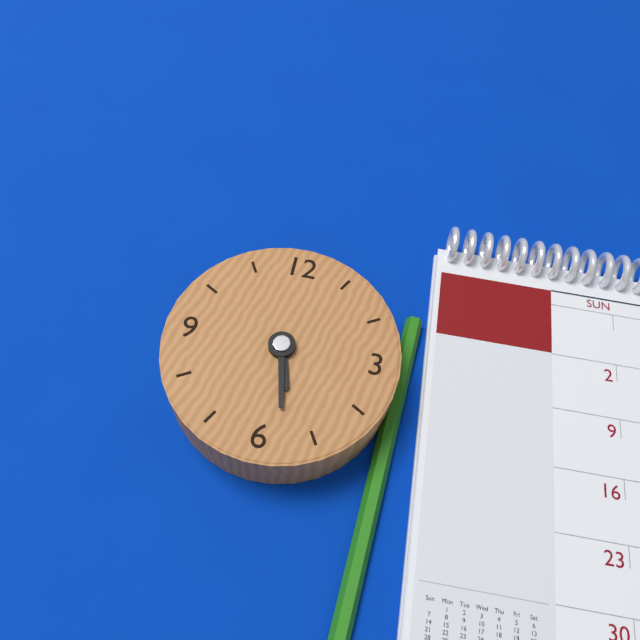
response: 5 h 28 min
